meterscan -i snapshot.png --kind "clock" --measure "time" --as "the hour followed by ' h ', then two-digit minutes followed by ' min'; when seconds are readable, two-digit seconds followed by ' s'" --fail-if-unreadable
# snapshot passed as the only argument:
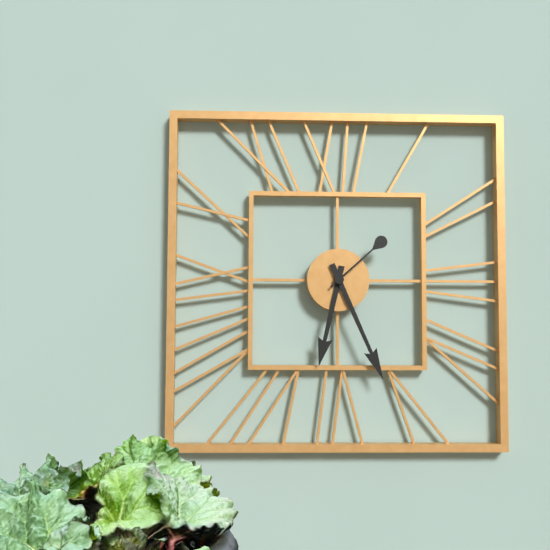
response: 6 h 26 min 08 s
